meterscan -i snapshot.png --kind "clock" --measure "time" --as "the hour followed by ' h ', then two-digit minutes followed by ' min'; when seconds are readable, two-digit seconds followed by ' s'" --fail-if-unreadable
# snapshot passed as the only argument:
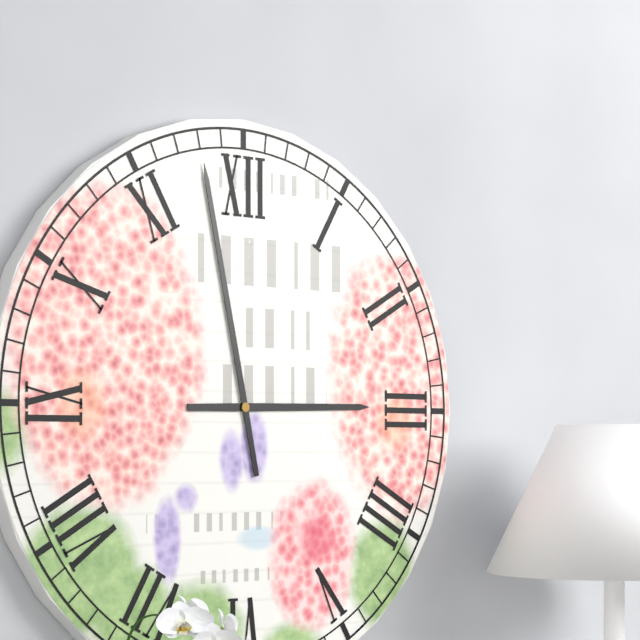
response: 2 h 58 min
